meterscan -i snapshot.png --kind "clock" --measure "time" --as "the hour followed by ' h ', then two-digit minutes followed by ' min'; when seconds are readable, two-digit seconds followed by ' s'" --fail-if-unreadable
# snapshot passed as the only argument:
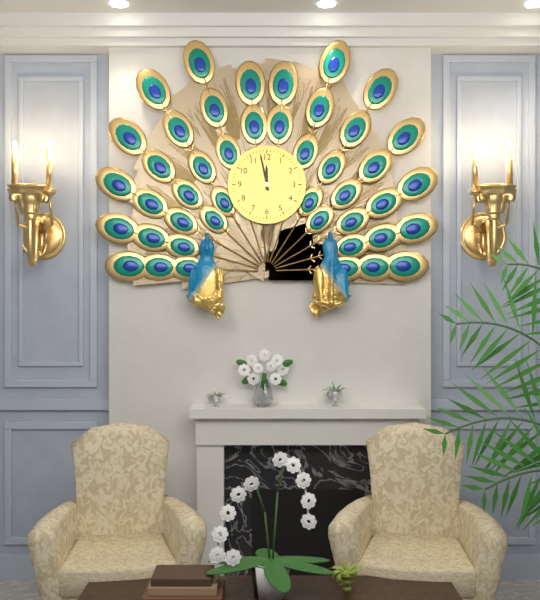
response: 11 h 58 min
